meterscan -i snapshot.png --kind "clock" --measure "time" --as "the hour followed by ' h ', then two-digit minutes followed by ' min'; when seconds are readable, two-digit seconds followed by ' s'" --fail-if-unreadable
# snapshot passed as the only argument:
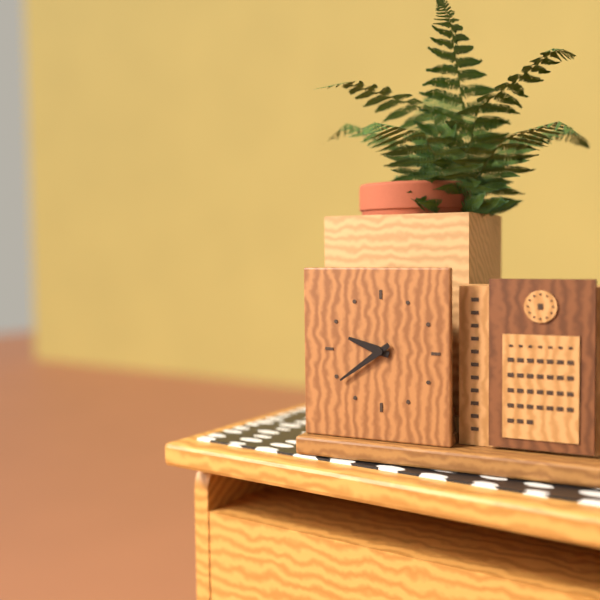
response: 9 h 39 min
